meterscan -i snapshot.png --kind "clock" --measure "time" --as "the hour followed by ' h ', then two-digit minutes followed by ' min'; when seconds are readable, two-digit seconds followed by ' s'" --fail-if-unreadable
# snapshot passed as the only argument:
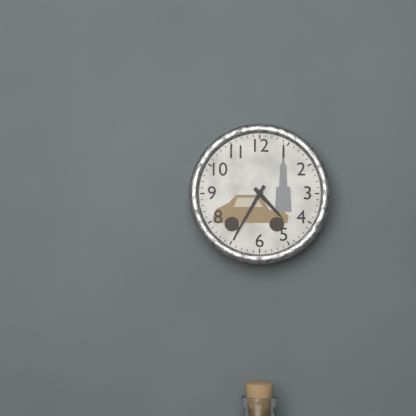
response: 4 h 35 min
